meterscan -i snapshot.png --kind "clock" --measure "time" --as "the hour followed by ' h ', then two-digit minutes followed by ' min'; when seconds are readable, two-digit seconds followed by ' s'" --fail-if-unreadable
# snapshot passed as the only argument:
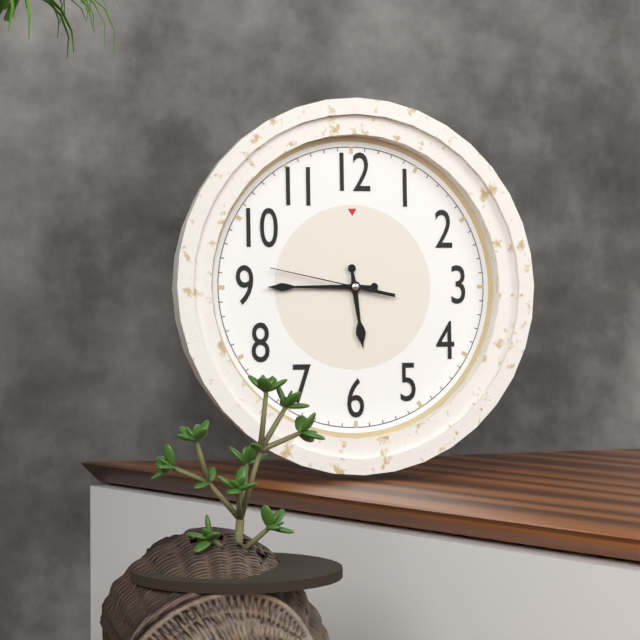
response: 5 h 45 min 47 s
